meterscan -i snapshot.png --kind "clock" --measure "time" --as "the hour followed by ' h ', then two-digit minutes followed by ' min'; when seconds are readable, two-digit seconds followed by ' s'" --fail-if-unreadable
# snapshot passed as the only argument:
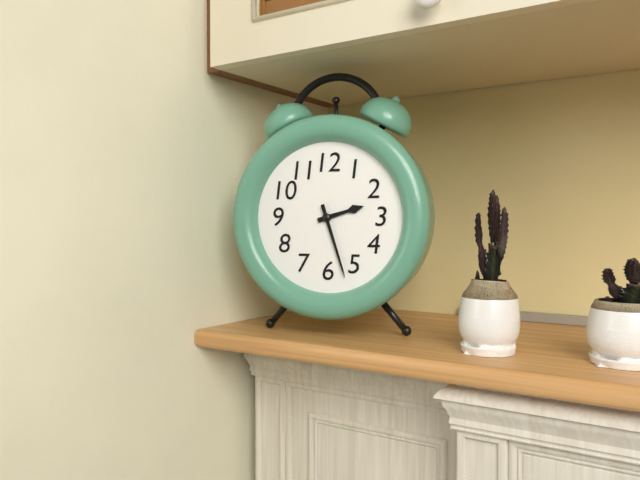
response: 2 h 27 min
